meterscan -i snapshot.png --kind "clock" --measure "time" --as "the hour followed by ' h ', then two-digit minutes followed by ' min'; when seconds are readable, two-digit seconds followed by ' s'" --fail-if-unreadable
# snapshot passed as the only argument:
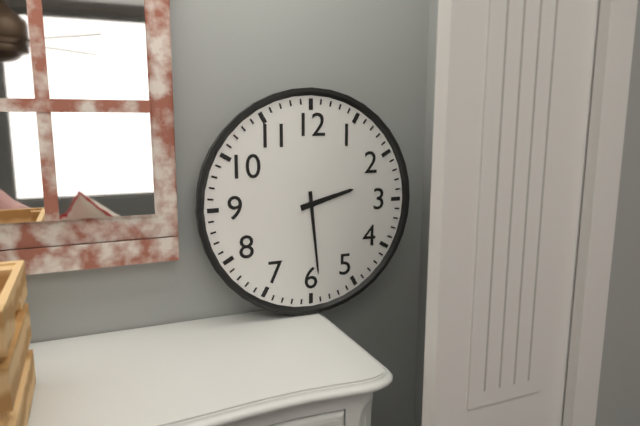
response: 2 h 29 min
